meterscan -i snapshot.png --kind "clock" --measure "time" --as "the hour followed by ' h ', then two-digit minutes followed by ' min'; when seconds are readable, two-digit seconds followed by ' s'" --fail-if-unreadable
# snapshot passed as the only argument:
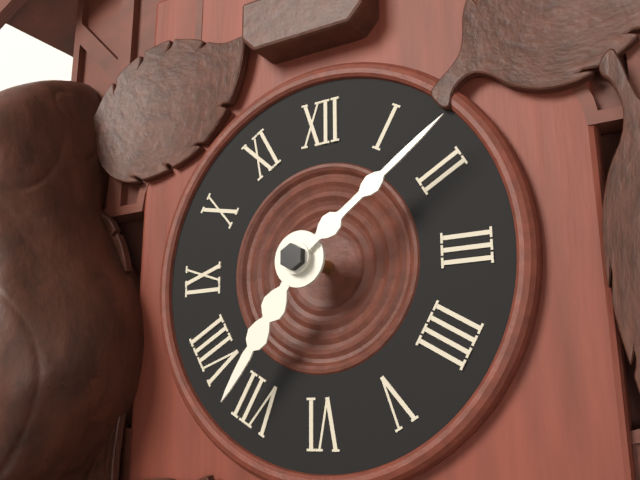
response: 7 h 09 min
